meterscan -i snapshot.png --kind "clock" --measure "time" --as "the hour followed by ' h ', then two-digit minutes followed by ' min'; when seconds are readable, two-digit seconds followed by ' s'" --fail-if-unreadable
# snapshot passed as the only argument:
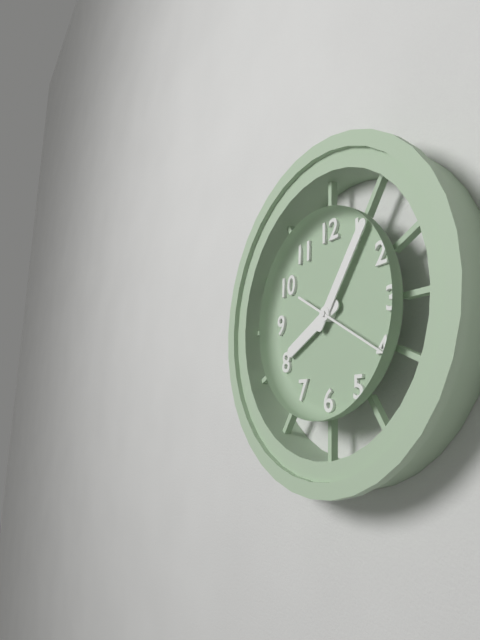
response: 8 h 06 min 20 s
